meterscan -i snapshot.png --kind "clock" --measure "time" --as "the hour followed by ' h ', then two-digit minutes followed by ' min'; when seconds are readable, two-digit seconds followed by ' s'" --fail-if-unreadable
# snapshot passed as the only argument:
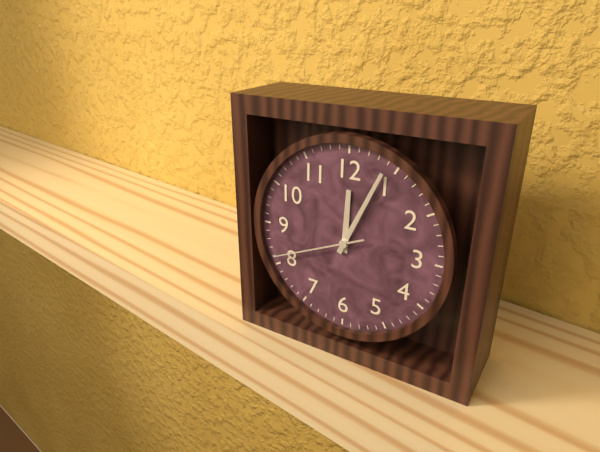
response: 12 h 04 min 41 s
